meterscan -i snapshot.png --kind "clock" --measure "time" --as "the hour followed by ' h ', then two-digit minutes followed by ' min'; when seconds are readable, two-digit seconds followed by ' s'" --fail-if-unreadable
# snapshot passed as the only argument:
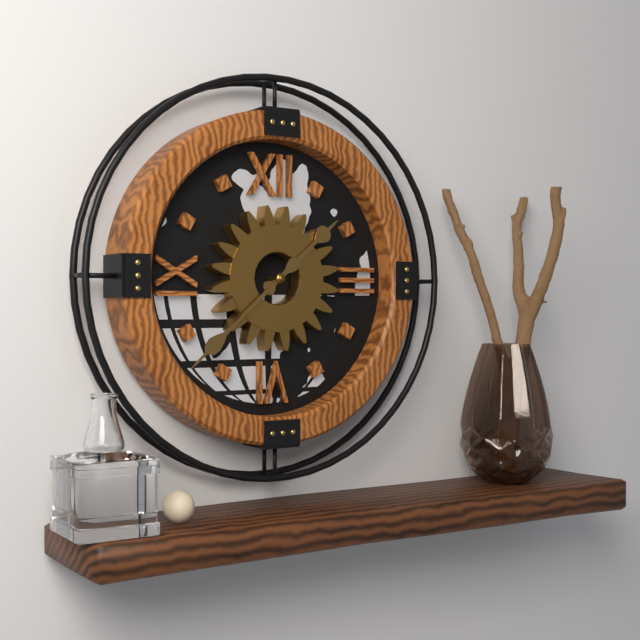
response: 1 h 38 min
